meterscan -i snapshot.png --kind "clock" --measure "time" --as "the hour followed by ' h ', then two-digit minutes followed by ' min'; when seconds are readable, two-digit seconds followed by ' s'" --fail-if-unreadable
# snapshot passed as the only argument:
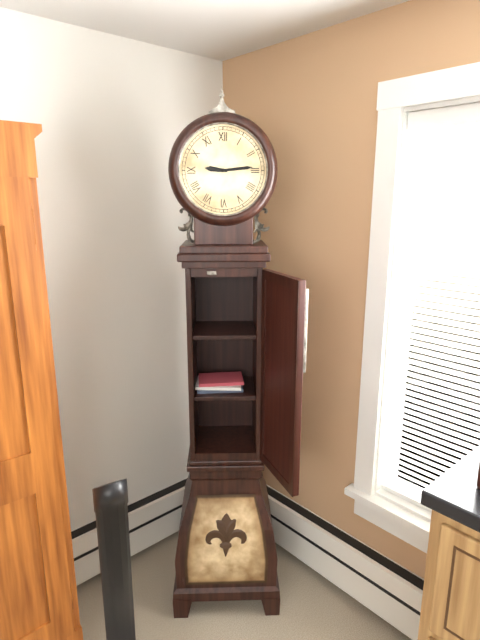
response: 9 h 14 min
